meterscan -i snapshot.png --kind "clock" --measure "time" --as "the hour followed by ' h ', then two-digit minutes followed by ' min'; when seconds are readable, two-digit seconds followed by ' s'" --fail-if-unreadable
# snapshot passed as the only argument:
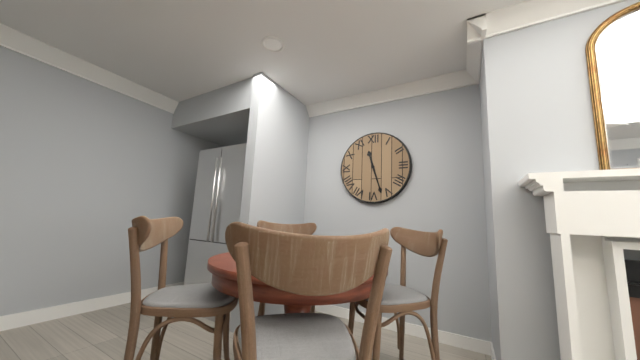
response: 11 h 27 min
